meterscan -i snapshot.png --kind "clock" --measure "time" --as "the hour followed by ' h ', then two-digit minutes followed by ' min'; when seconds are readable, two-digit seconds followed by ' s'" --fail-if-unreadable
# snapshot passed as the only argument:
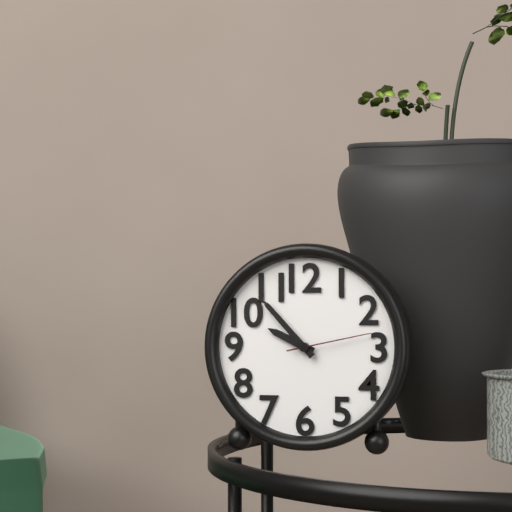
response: 9 h 53 min 13 s
